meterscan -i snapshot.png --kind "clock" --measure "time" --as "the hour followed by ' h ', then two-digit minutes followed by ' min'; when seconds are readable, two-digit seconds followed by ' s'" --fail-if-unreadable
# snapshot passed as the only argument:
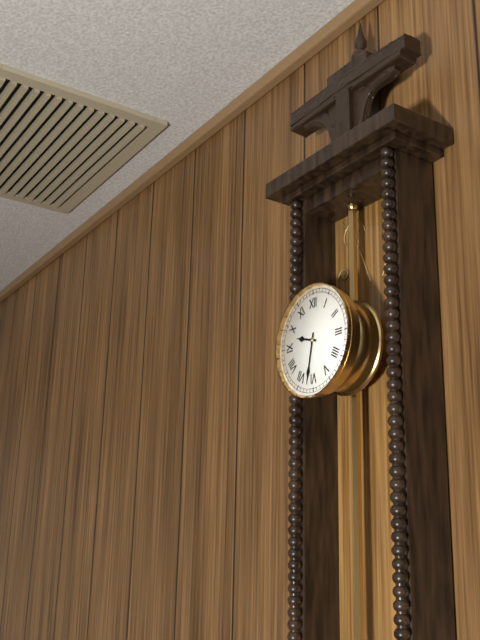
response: 9 h 32 min
